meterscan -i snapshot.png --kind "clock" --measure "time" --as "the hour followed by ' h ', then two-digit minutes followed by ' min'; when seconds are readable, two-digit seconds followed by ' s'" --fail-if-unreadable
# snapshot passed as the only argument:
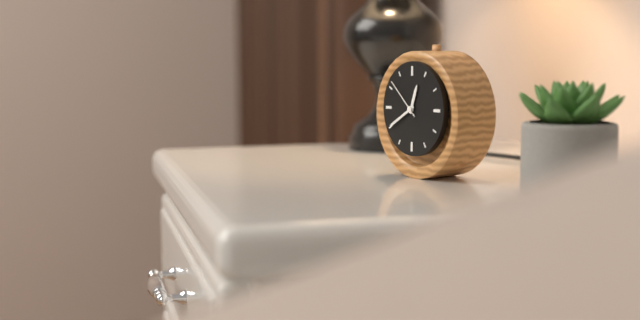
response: 12 h 40 min
